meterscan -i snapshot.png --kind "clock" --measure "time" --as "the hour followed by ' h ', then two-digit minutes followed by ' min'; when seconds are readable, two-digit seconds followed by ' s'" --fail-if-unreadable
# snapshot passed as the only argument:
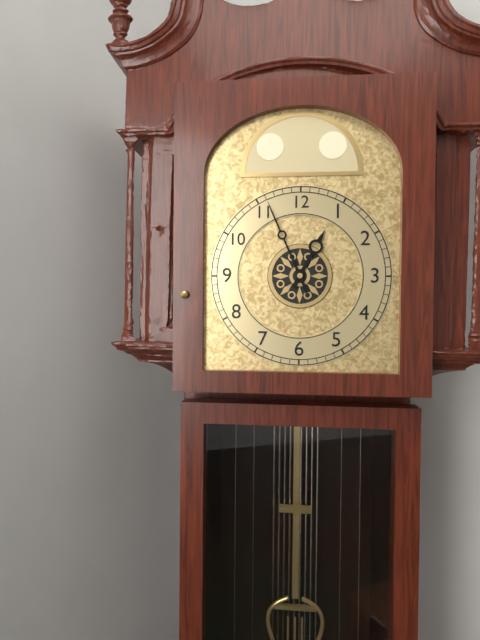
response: 12 h 56 min
